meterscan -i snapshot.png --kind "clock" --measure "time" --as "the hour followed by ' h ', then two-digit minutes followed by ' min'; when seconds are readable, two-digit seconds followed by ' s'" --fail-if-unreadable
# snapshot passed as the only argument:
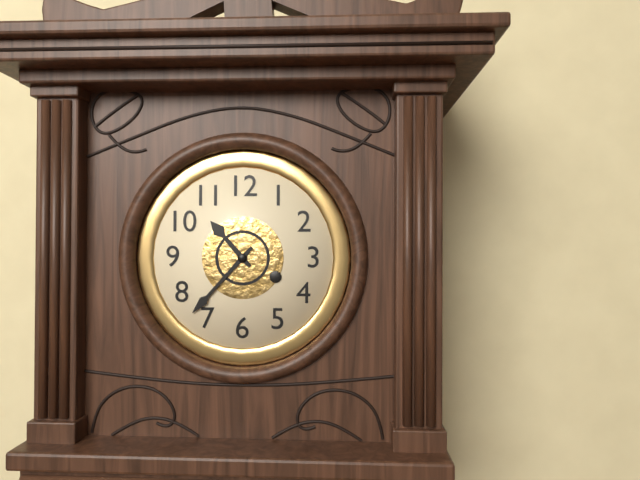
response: 10 h 37 min
